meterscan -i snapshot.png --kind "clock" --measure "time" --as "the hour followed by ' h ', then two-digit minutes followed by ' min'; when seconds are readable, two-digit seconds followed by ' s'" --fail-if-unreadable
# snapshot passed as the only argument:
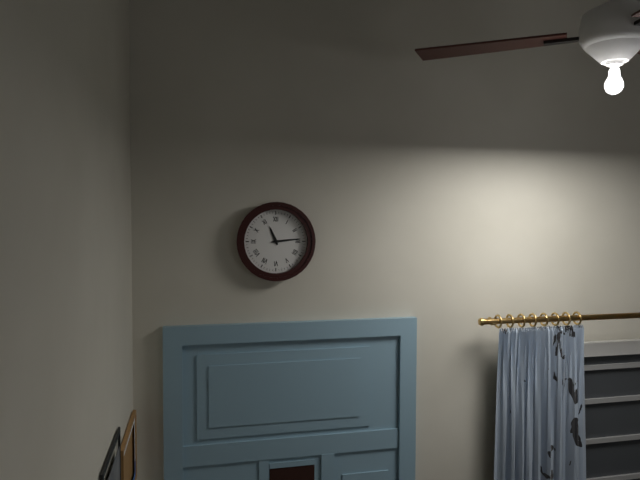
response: 11 h 14 min
